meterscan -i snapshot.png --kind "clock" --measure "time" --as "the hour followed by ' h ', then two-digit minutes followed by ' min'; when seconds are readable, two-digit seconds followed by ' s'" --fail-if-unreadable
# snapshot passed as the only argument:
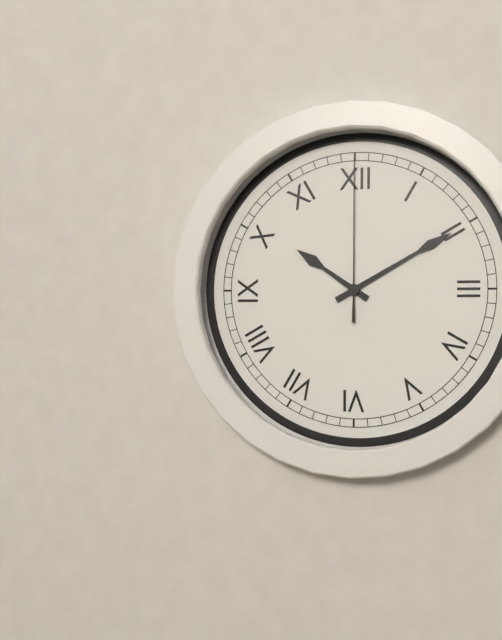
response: 10 h 10 min 00 s
